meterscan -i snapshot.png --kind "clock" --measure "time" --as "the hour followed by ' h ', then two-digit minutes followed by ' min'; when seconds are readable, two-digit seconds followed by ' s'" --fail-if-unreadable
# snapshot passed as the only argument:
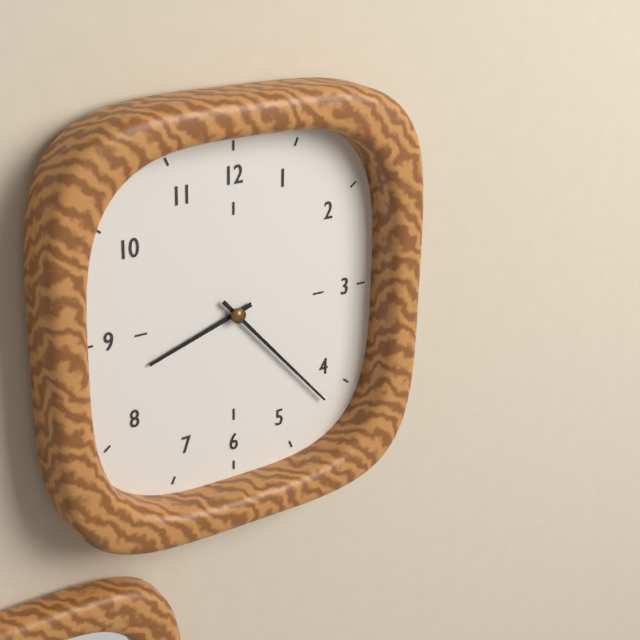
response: 8 h 23 min
